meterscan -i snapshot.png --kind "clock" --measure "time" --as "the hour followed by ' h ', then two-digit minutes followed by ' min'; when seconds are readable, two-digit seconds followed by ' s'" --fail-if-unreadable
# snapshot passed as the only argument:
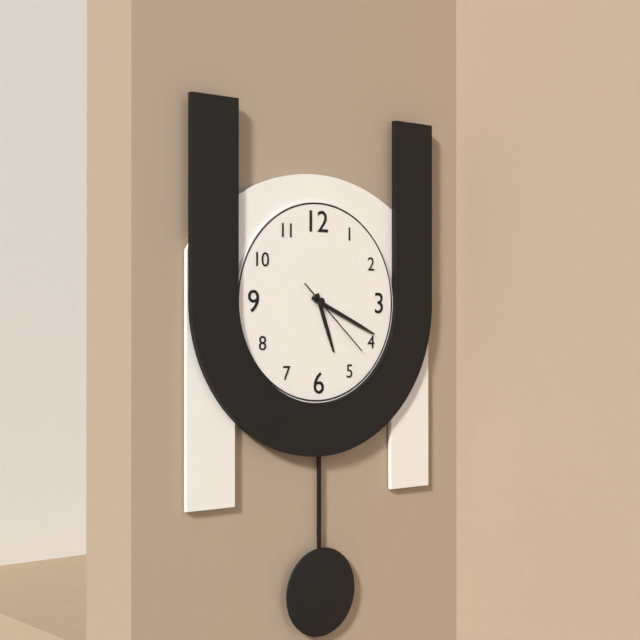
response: 5 h 19 min 22 s
